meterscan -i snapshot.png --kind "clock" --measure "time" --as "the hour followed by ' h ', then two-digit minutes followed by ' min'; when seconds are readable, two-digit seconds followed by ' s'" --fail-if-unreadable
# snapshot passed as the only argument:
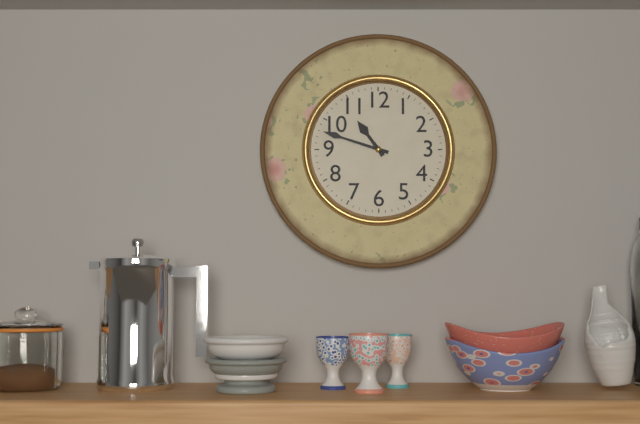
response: 10 h 48 min
